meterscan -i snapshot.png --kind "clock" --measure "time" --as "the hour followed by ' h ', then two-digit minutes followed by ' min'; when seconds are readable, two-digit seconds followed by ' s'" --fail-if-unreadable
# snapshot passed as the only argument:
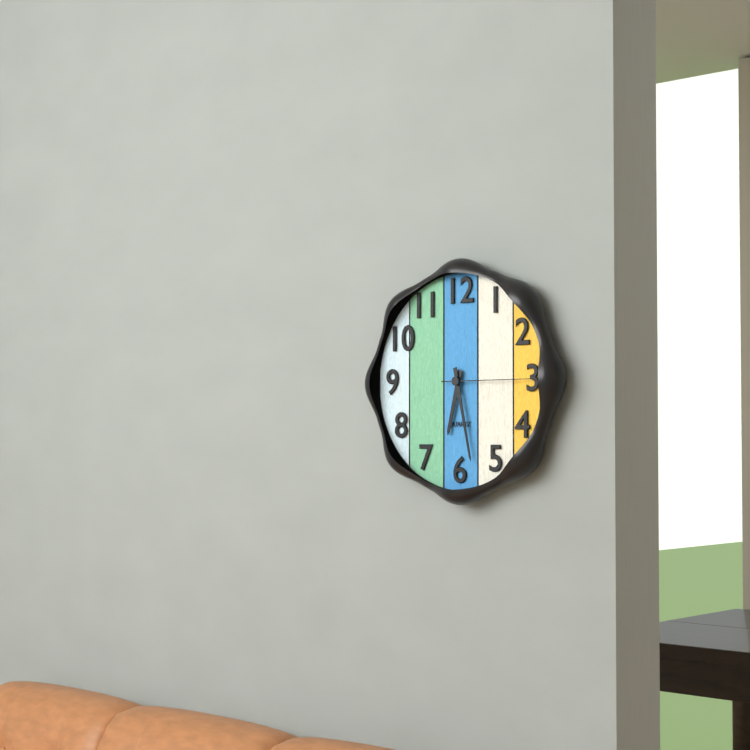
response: 6 h 28 min 15 s
